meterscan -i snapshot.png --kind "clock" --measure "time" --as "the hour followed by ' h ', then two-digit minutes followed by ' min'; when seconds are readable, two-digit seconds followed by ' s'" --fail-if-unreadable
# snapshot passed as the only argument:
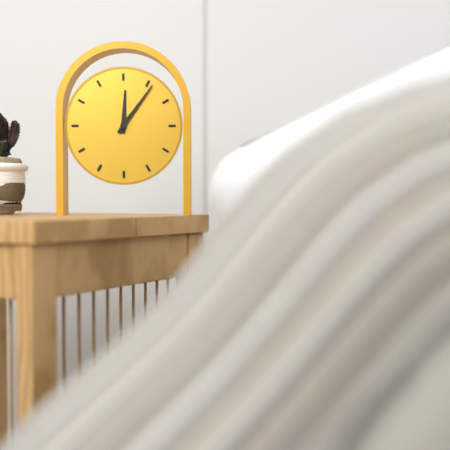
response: 12 h 06 min
